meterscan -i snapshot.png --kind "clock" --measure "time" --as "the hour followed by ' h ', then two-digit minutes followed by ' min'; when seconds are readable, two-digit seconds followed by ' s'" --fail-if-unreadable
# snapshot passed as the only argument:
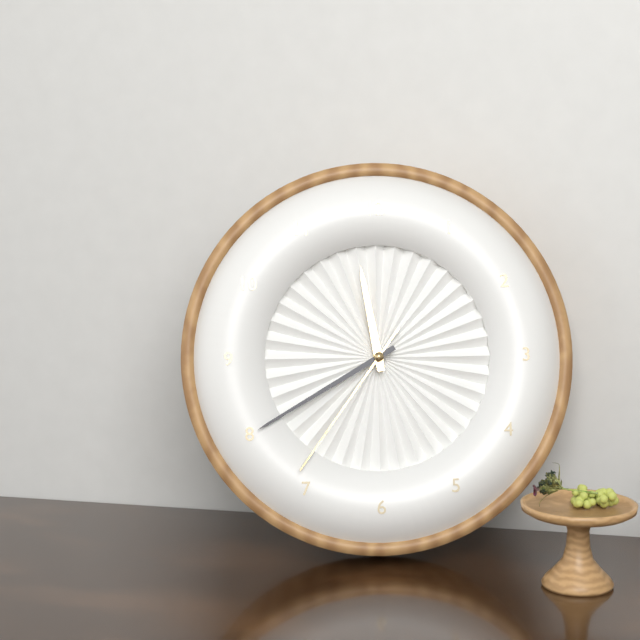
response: 11 h 40 min 36 s
